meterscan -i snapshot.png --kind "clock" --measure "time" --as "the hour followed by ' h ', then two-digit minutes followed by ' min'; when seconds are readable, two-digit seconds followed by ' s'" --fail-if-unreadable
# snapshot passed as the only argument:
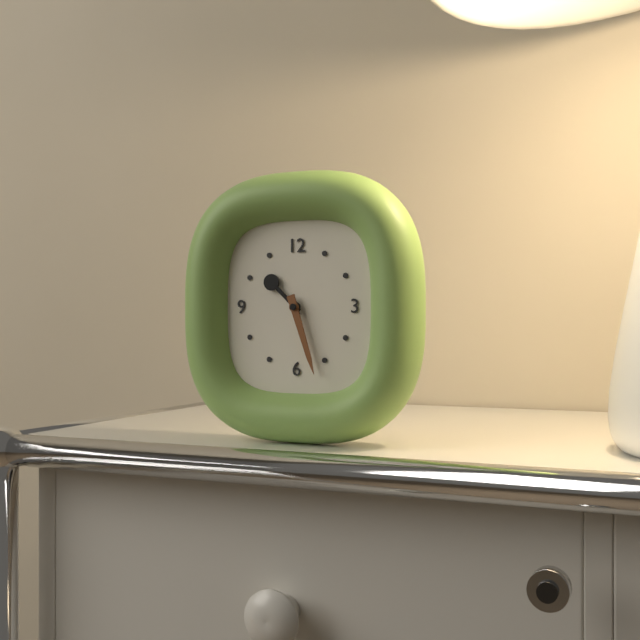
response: 10 h 27 min
